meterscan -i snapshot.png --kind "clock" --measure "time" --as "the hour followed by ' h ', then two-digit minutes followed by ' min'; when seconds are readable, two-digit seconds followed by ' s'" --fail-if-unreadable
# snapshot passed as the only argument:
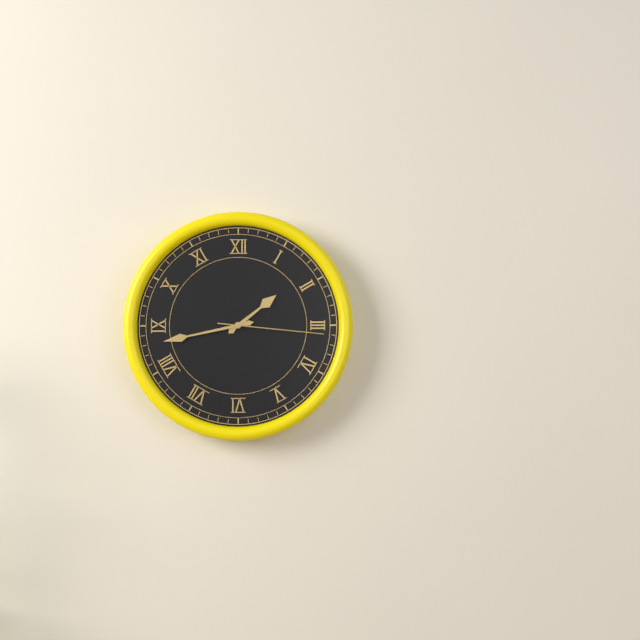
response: 1 h 43 min 16 s
